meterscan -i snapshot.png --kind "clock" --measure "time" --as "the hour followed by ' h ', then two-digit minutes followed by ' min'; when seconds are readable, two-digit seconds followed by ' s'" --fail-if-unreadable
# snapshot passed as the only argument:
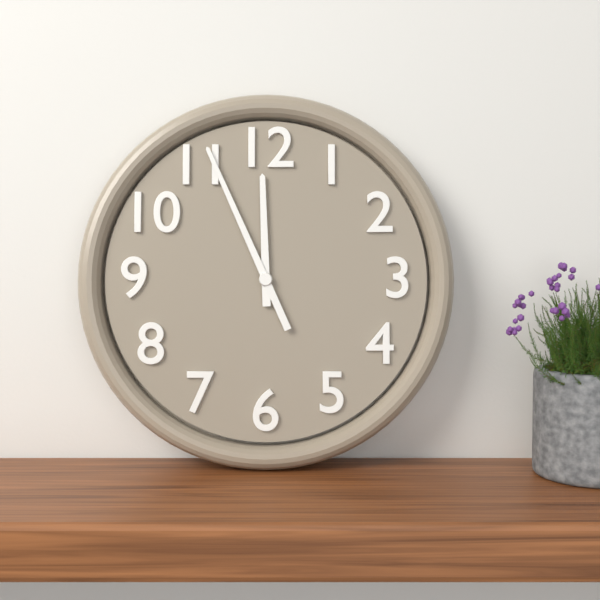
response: 11 h 56 min
